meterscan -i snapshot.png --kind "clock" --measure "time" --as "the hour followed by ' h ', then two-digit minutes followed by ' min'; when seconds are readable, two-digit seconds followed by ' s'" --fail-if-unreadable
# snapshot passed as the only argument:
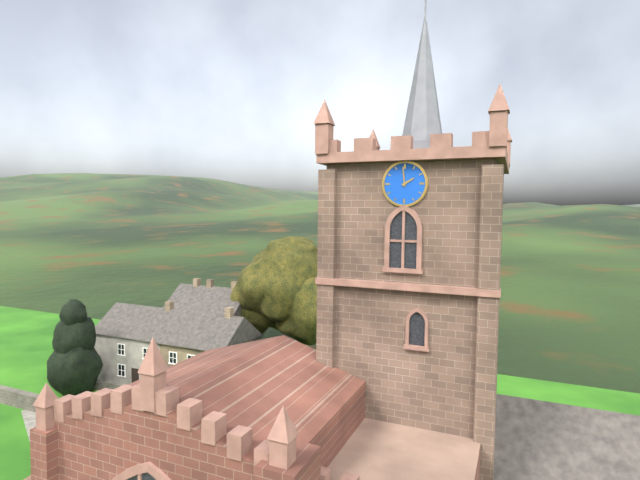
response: 1 h 59 min
